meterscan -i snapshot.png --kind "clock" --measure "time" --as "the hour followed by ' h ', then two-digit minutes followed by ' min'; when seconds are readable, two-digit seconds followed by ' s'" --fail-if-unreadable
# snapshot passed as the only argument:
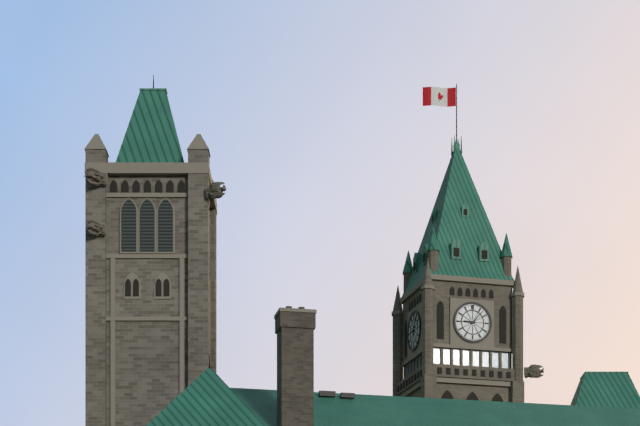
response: 9 h 07 min
